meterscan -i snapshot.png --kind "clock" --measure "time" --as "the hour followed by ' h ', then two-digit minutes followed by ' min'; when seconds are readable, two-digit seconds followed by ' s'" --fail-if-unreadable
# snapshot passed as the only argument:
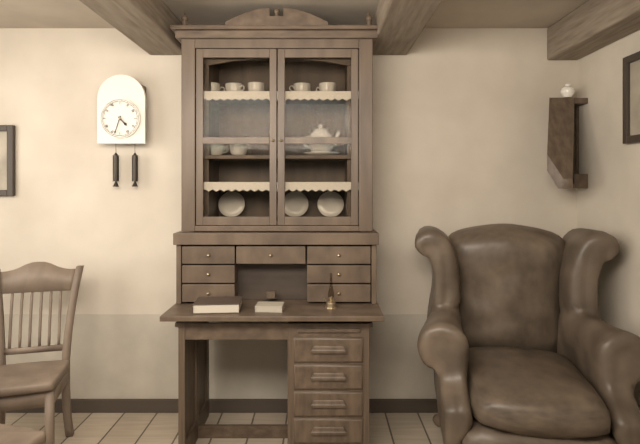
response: 4 h 33 min
